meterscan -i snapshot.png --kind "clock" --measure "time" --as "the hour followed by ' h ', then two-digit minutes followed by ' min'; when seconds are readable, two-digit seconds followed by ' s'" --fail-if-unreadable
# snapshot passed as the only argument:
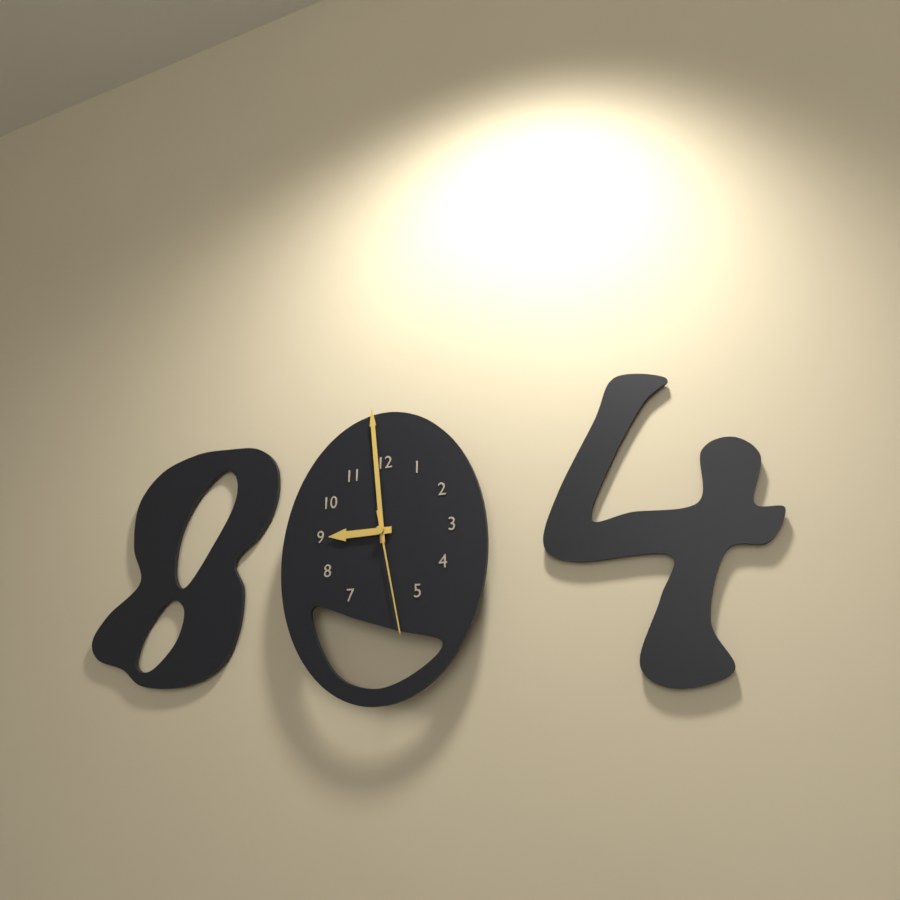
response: 8 h 59 min 28 s
